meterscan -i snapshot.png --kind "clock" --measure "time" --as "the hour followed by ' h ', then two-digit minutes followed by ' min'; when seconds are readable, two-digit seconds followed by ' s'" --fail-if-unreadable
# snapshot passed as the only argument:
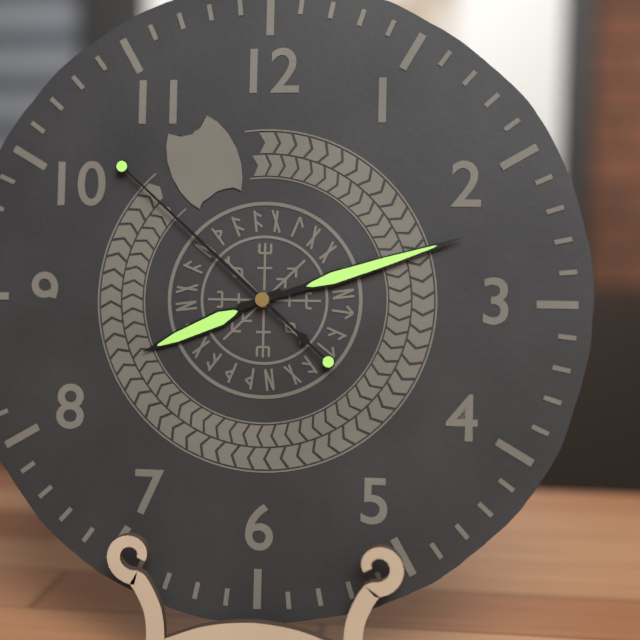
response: 8 h 12 min 52 s
